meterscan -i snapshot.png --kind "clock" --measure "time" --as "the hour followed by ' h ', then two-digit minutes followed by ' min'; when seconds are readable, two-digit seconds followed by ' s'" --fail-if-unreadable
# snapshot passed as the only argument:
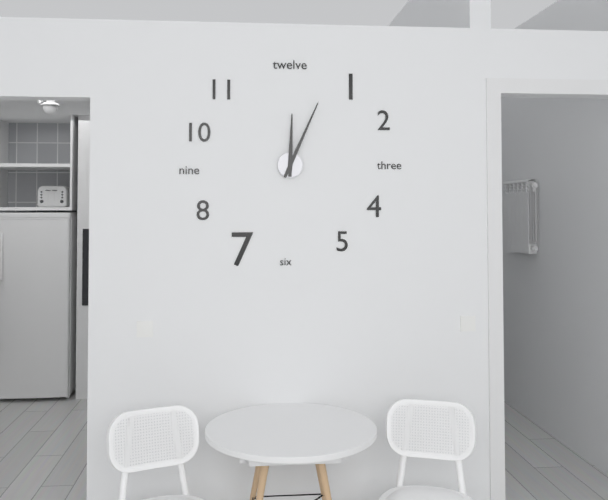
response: 12 h 04 min
